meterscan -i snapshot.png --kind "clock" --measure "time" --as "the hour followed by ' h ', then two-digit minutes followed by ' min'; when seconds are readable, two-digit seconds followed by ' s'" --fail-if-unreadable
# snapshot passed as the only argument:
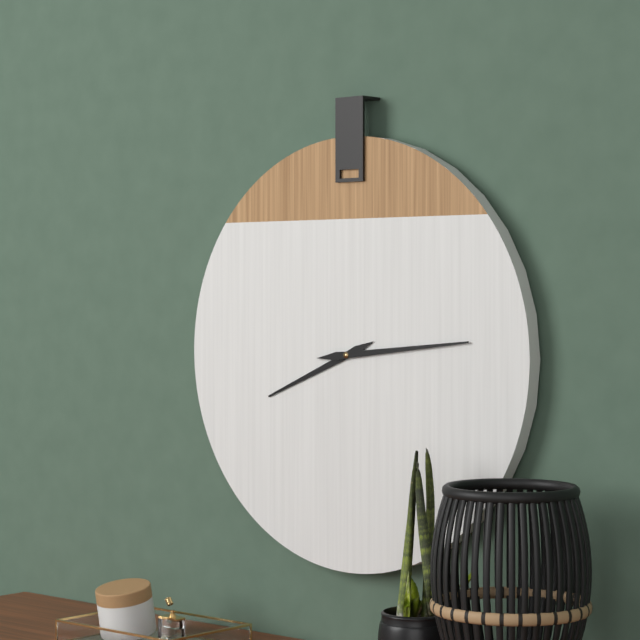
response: 8 h 14 min
